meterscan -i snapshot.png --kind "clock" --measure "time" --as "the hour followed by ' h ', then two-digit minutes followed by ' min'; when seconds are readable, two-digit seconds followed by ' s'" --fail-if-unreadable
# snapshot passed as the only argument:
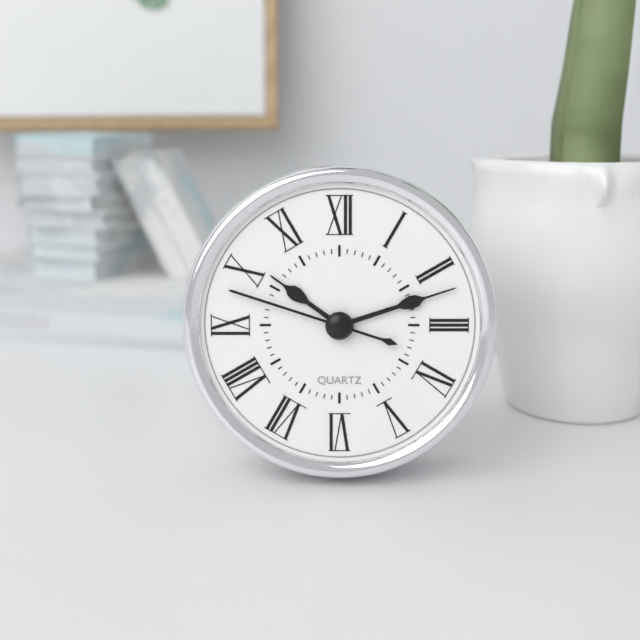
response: 10 h 12 min 48 s
